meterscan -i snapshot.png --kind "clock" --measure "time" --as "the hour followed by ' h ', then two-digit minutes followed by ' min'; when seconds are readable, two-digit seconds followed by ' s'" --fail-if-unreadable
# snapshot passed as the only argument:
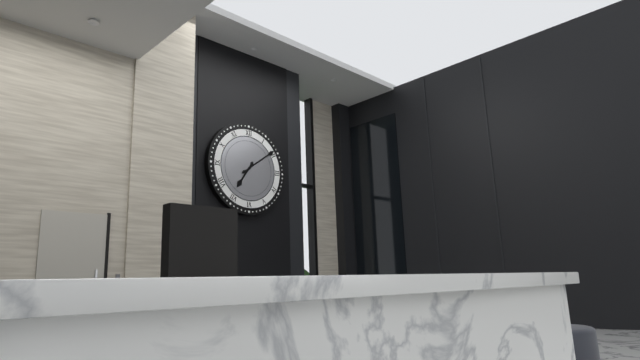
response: 7 h 09 min
